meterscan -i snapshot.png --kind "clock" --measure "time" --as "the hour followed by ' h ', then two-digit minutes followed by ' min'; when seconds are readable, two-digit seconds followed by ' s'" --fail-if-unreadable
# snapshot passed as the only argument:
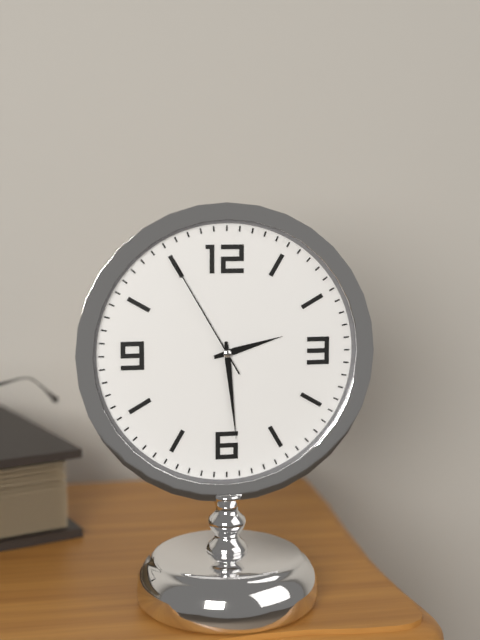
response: 2 h 29 min 55 s
